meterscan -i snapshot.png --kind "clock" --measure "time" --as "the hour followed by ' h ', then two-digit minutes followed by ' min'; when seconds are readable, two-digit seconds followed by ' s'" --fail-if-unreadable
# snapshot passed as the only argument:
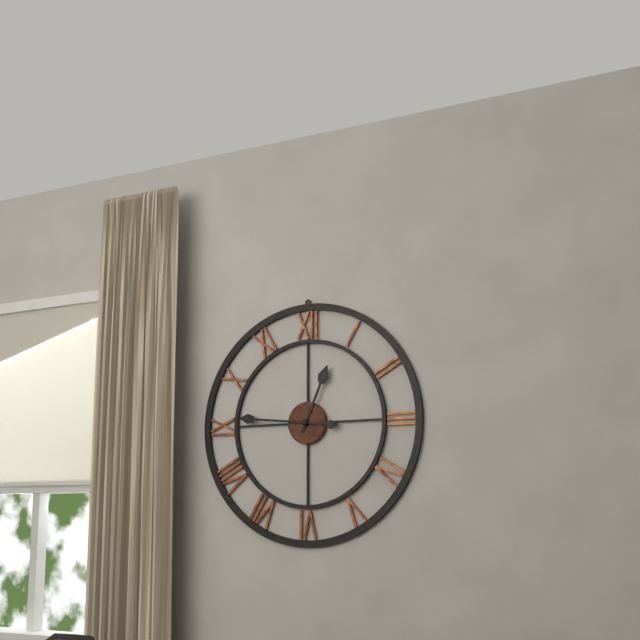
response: 12 h 46 min
